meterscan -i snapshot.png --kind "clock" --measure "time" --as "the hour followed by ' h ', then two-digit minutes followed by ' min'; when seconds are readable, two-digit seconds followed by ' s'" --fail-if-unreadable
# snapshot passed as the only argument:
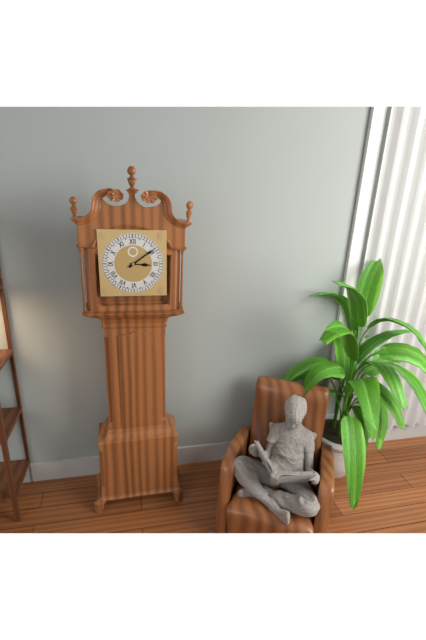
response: 3 h 09 min
